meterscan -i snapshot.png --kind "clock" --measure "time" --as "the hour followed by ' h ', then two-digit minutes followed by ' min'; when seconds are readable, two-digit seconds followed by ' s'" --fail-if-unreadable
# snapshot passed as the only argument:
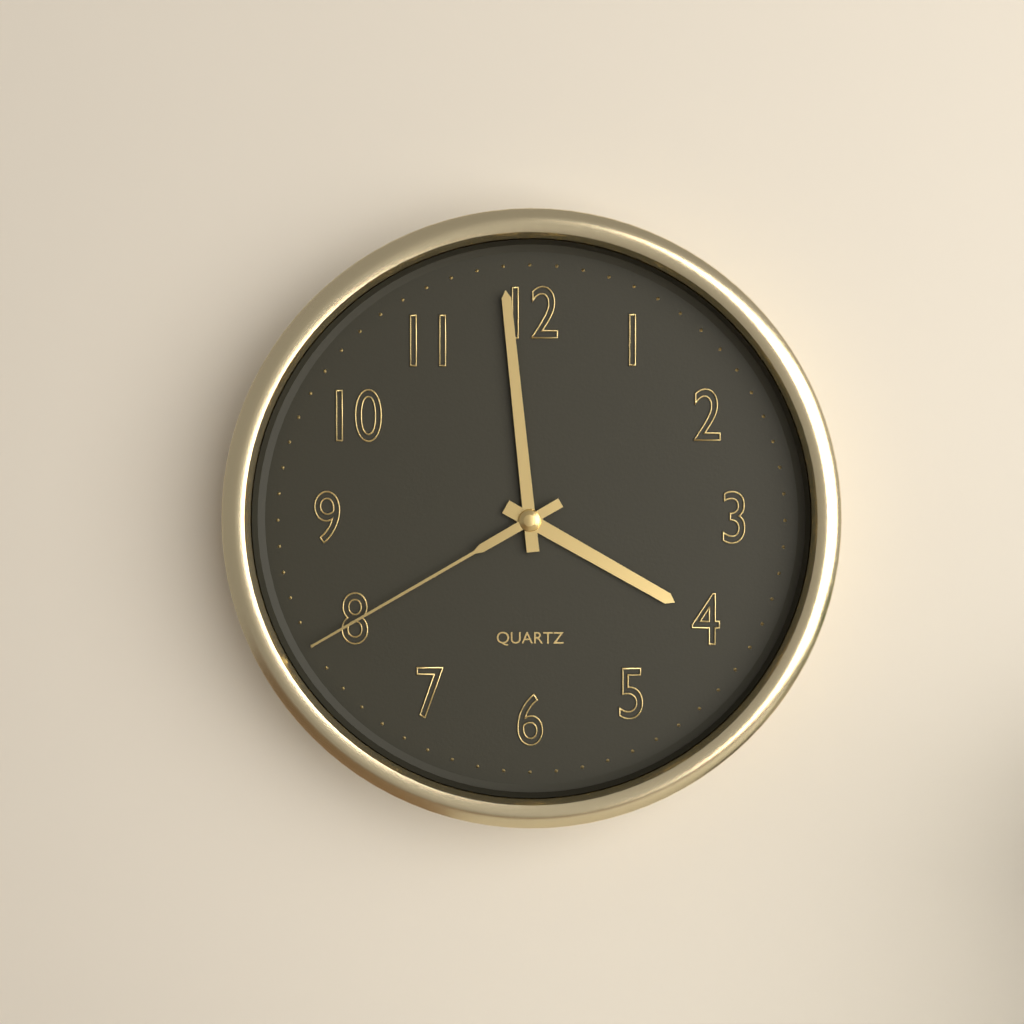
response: 3 h 59 min 40 s
